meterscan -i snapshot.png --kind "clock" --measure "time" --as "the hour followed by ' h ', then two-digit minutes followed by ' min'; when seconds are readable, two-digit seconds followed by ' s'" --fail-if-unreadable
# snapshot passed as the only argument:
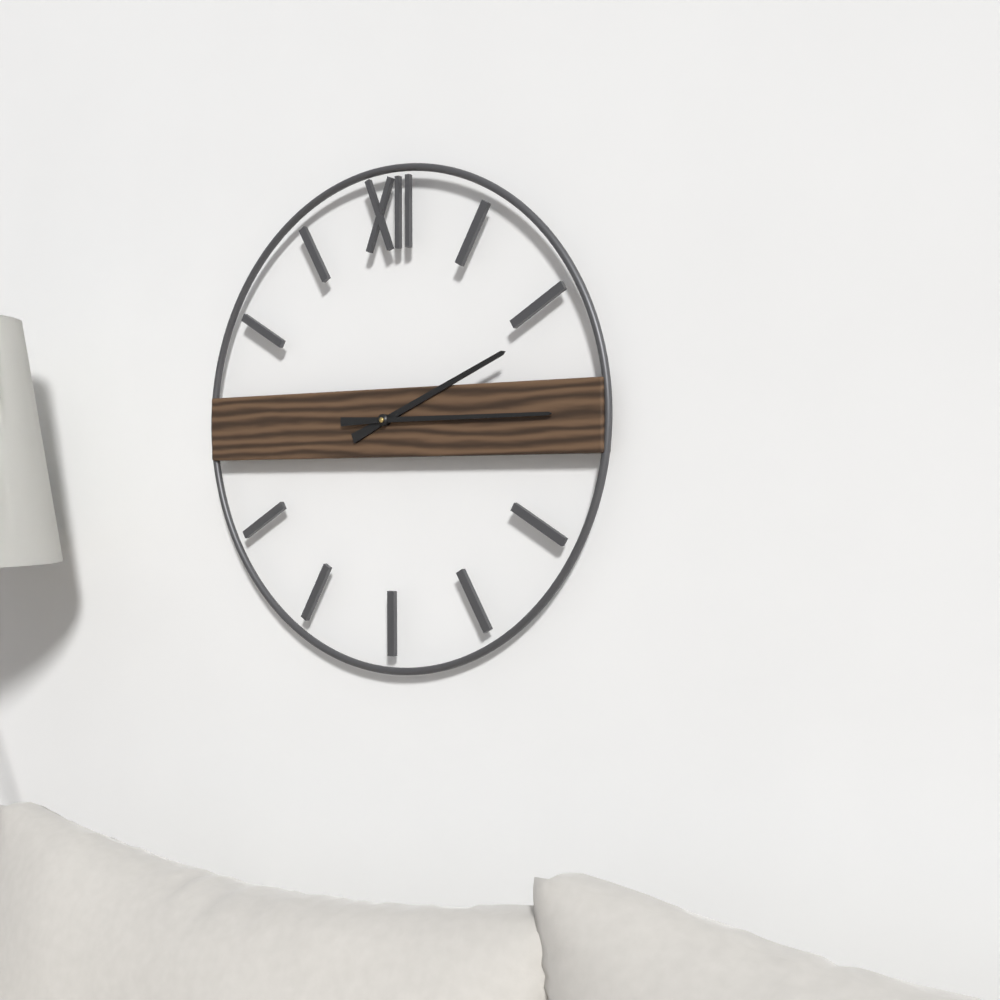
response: 2 h 15 min
